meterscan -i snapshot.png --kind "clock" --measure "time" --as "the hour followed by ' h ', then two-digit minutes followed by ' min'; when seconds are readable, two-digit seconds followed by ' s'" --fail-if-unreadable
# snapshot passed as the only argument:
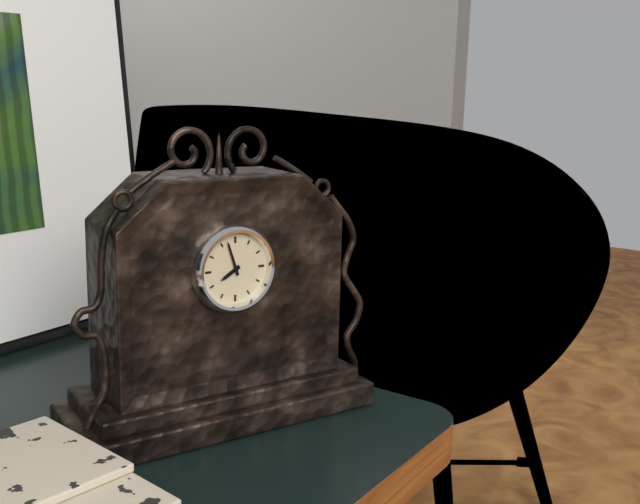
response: 7 h 57 min
